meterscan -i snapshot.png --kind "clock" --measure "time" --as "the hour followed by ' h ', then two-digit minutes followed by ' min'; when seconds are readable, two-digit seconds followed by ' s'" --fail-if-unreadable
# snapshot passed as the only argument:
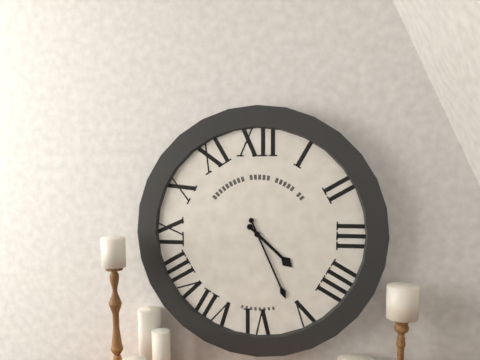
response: 4 h 26 min
